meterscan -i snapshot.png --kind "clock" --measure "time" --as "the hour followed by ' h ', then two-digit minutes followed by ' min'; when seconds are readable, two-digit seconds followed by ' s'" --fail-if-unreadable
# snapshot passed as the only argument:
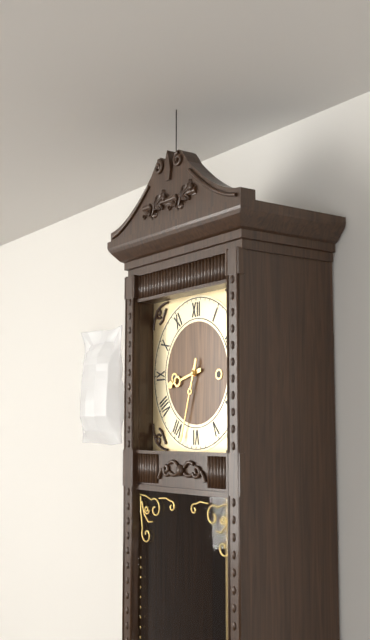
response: 8 h 33 min
